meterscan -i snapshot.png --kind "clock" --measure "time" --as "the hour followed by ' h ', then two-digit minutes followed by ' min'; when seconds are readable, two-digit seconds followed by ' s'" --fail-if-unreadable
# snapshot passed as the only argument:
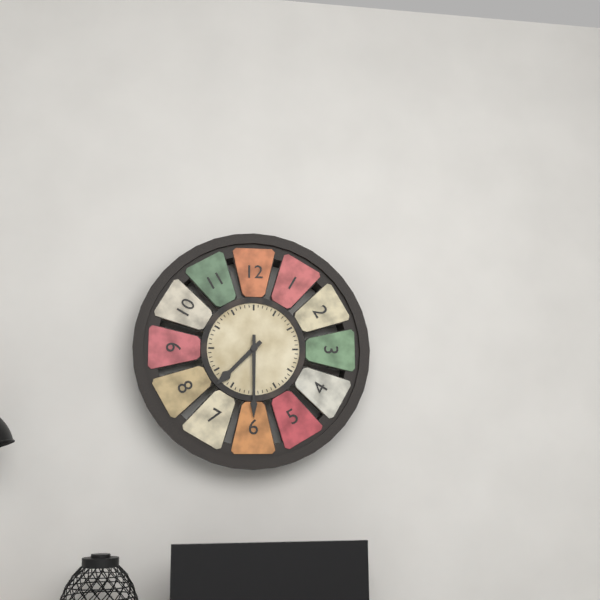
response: 7 h 30 min
